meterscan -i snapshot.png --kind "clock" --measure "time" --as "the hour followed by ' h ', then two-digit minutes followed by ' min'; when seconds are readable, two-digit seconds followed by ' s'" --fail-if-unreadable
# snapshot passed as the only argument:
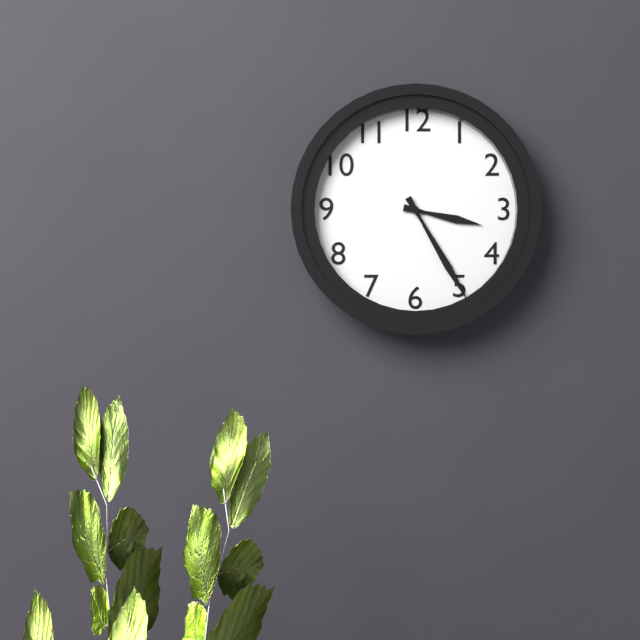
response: 3 h 25 min
